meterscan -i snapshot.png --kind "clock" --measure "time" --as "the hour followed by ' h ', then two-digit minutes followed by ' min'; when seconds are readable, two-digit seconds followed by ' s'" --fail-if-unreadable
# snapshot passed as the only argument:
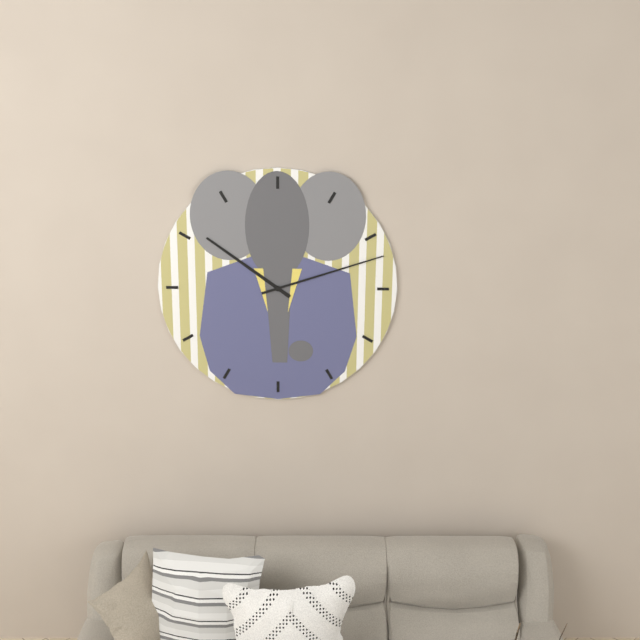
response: 10 h 12 min
